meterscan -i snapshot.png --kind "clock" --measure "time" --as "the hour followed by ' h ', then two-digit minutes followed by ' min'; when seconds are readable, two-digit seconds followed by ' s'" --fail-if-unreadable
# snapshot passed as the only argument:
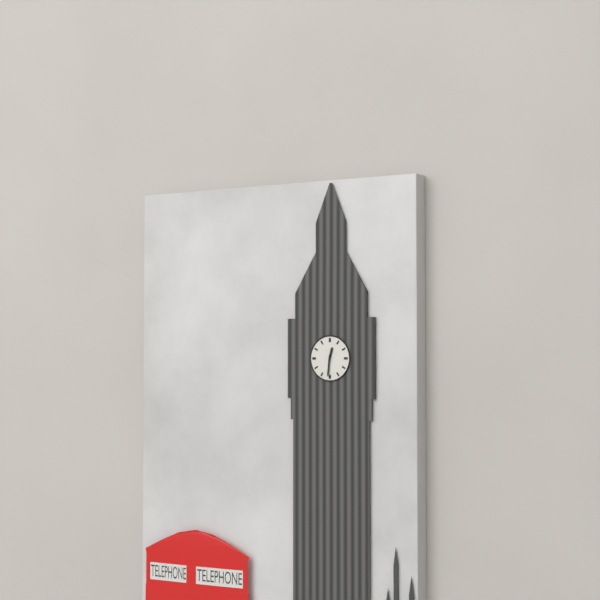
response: 12 h 31 min
